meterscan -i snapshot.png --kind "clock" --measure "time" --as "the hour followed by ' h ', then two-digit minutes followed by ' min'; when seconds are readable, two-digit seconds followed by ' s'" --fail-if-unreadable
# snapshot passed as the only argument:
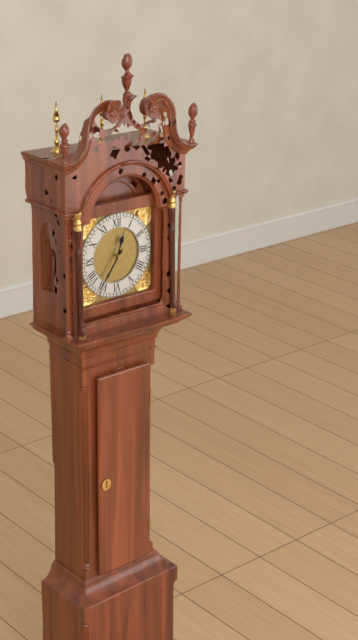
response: 12 h 36 min
